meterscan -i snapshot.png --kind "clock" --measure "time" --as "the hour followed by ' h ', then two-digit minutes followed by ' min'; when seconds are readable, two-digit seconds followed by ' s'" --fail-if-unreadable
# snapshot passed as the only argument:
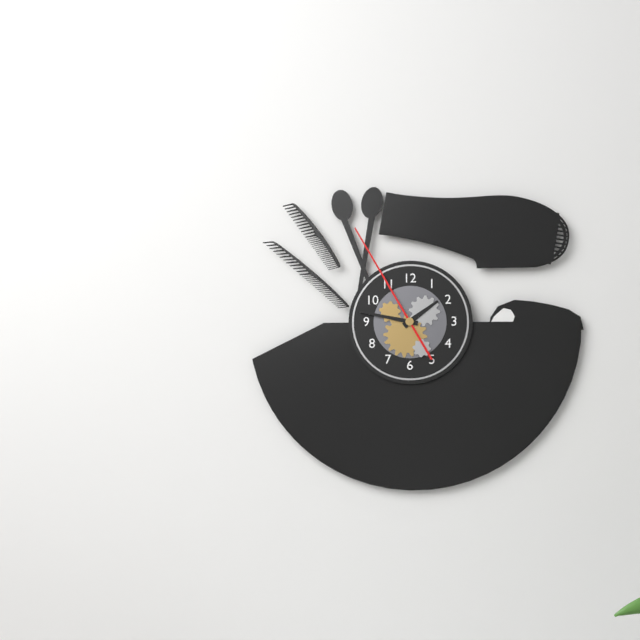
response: 1 h 47 min 55 s
